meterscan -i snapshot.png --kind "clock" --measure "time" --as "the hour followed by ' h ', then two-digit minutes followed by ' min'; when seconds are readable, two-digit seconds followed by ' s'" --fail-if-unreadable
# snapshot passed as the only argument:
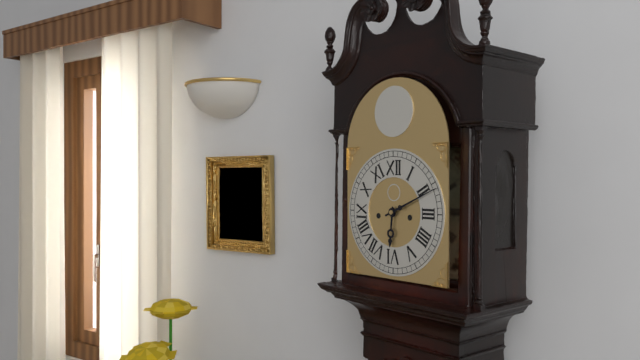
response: 6 h 11 min
